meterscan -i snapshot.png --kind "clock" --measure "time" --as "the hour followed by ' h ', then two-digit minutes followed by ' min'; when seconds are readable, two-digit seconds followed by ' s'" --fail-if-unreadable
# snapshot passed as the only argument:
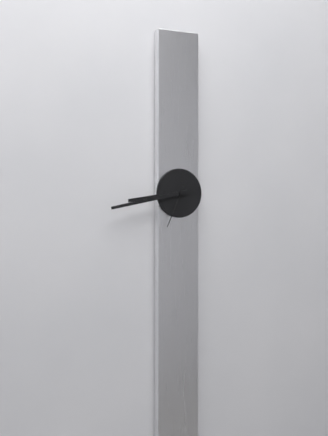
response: 8 h 43 min
